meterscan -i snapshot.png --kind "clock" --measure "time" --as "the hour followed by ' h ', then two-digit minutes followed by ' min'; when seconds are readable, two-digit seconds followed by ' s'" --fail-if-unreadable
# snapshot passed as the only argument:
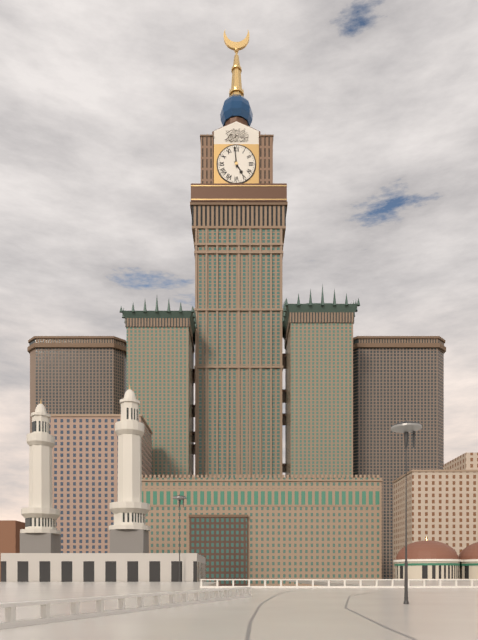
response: 4 h 59 min
